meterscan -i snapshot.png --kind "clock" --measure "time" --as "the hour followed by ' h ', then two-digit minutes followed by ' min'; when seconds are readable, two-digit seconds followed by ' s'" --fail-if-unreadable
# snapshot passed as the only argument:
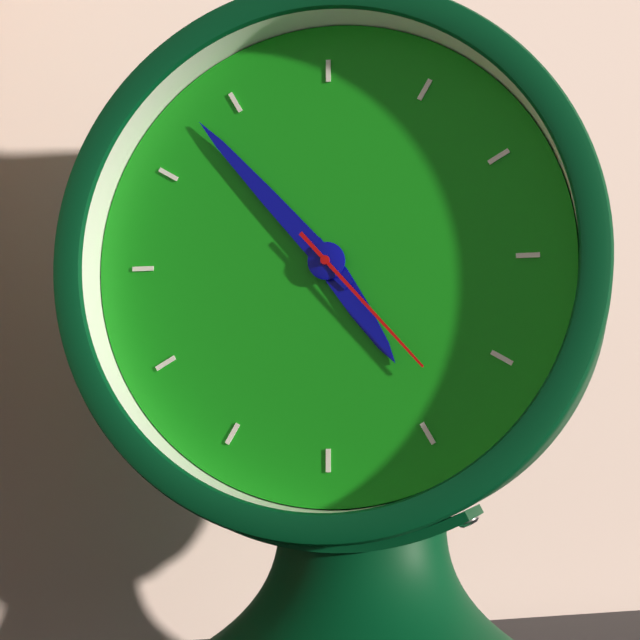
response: 4 h 53 min 23 s
